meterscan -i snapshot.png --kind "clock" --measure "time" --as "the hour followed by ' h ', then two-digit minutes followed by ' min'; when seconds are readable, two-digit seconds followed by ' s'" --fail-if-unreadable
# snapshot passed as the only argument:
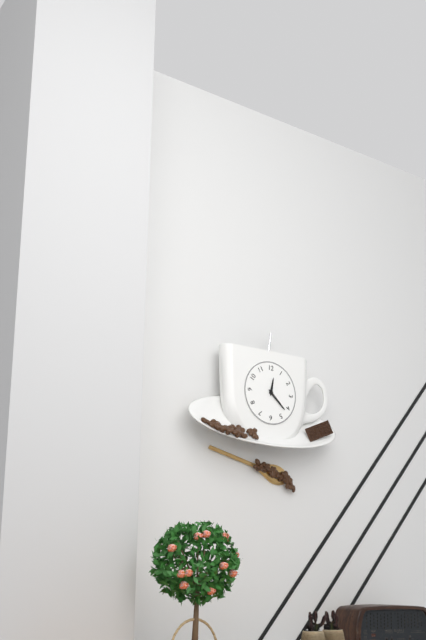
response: 12 h 22 min
